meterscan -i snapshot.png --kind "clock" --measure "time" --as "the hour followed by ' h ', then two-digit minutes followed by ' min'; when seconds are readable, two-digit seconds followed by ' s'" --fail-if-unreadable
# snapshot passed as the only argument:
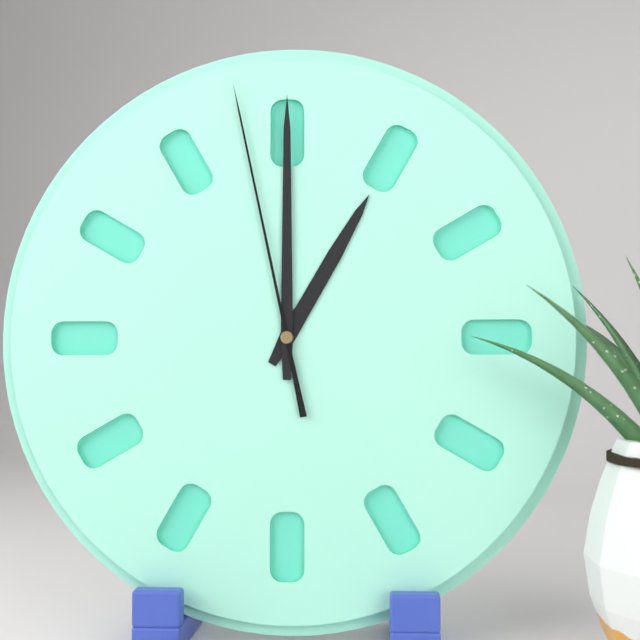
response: 1 h 00 min 58 s
